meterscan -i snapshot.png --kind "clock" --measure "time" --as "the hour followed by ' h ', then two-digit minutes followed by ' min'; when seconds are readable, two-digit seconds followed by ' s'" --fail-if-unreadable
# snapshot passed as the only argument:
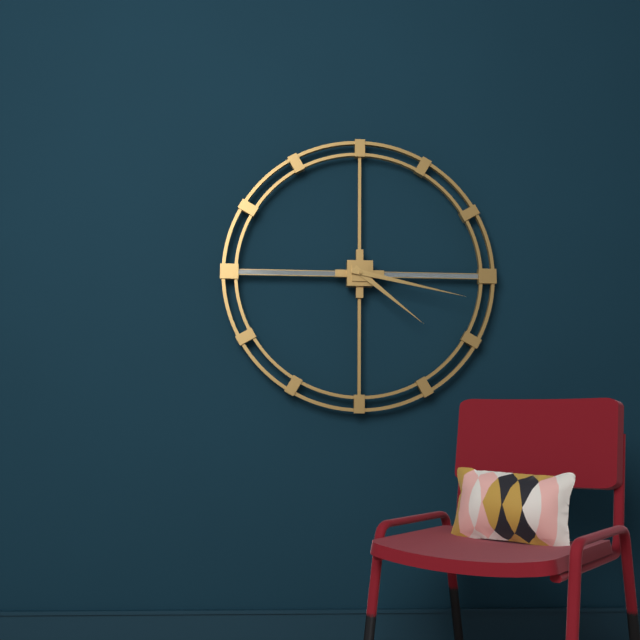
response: 4 h 17 min
